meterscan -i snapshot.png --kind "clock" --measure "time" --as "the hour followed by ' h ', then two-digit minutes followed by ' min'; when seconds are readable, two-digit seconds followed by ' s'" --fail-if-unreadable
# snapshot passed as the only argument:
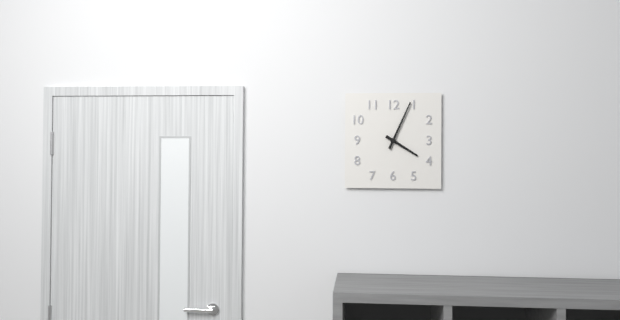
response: 4 h 04 min
